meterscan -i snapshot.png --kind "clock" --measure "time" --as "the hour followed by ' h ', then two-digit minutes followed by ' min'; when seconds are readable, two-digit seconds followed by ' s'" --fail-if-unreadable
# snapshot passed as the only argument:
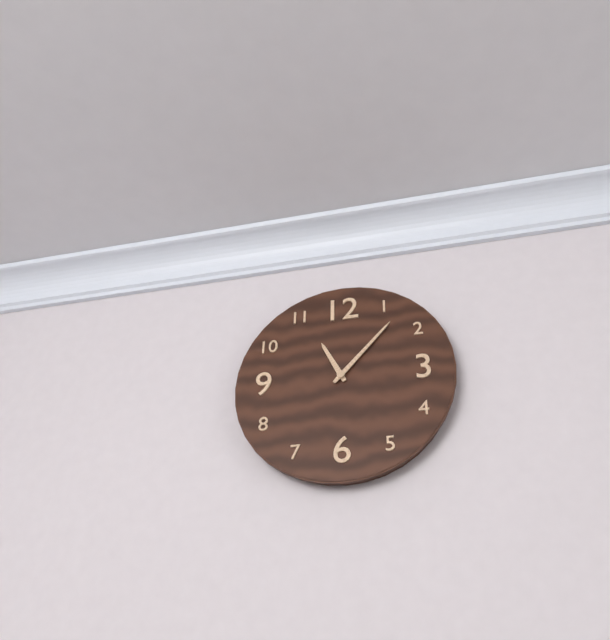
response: 11 h 07 min
